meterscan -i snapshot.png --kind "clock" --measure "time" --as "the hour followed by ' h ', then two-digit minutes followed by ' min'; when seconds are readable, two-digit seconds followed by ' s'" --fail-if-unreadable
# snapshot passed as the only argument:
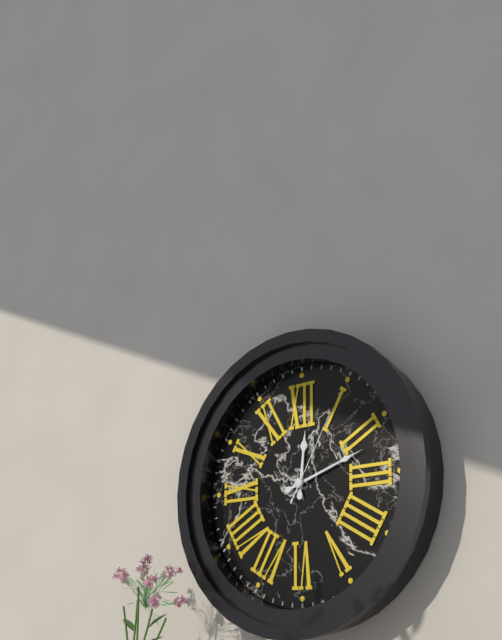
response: 12 h 12 min 05 s
